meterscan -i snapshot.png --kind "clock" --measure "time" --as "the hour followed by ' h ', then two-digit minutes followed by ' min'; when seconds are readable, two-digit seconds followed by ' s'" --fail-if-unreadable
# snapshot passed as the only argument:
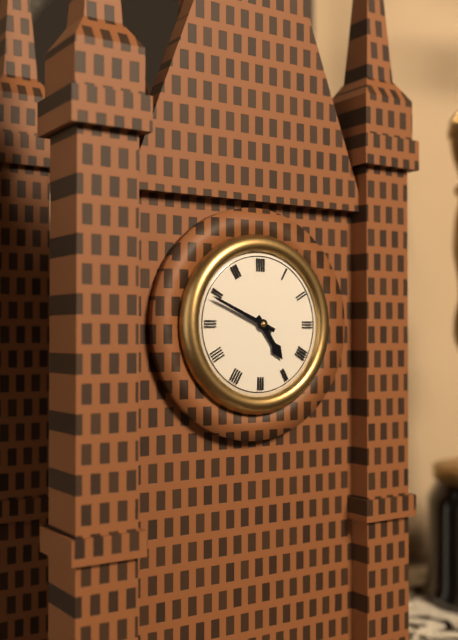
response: 4 h 49 min
